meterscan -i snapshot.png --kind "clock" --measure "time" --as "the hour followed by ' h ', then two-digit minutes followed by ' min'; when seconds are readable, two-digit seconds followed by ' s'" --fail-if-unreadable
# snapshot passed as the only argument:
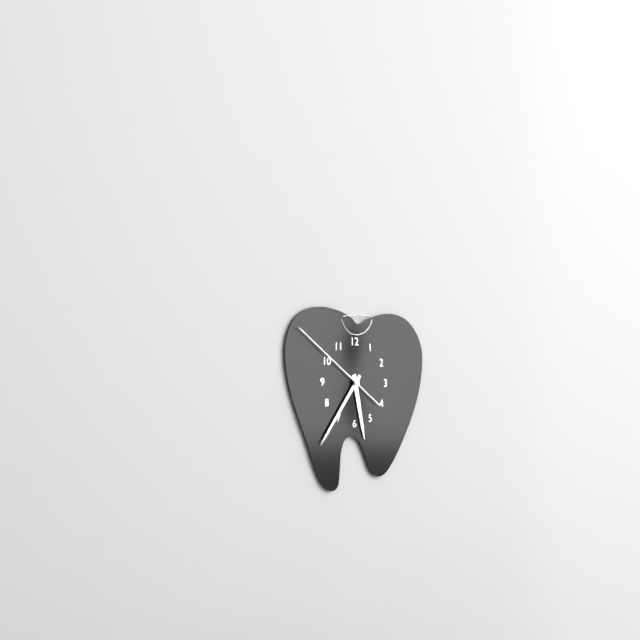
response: 5 h 36 min 51 s
